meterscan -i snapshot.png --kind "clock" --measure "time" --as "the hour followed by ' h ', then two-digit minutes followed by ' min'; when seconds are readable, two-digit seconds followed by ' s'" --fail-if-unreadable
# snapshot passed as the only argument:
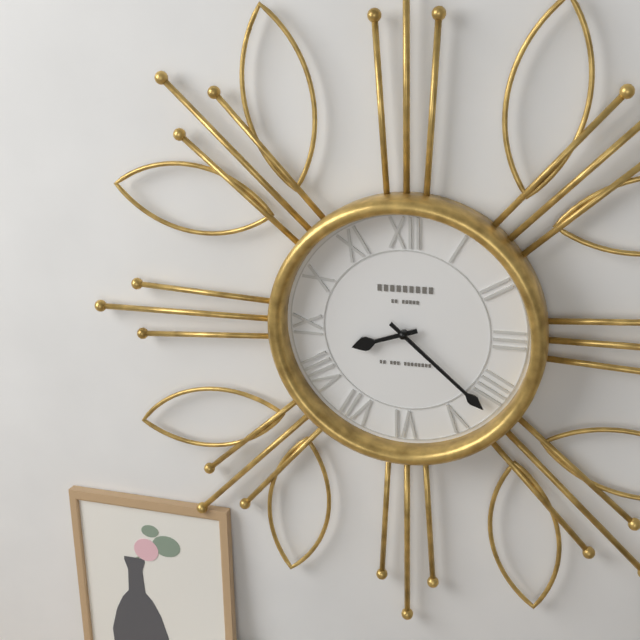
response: 8 h 22 min
